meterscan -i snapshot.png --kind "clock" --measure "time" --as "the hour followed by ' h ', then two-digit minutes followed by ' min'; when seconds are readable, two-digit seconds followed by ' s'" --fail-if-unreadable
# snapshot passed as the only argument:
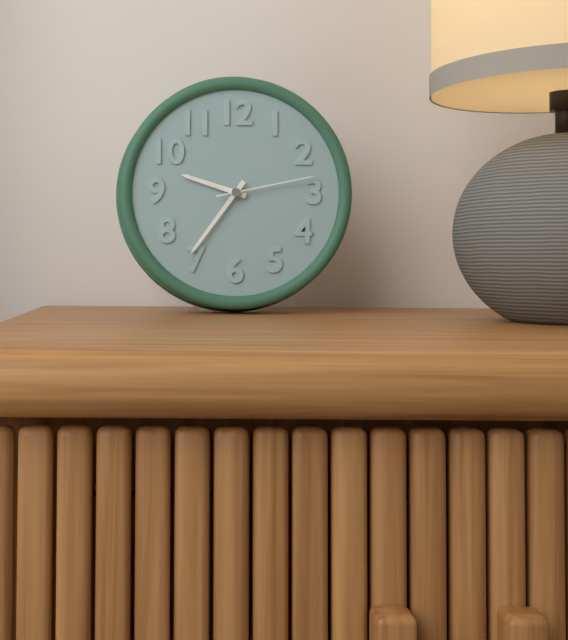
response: 9 h 36 min 13 s
